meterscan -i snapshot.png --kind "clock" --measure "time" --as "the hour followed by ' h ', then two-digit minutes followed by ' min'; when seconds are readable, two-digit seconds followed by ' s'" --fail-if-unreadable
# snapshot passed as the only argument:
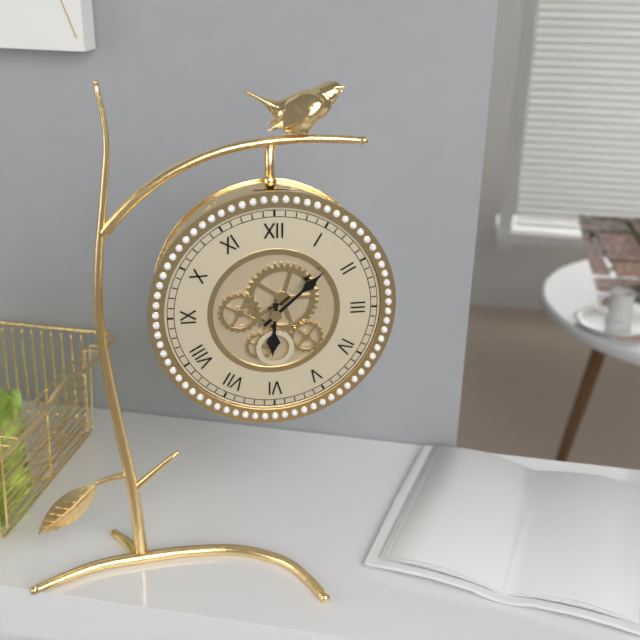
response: 6 h 08 min
